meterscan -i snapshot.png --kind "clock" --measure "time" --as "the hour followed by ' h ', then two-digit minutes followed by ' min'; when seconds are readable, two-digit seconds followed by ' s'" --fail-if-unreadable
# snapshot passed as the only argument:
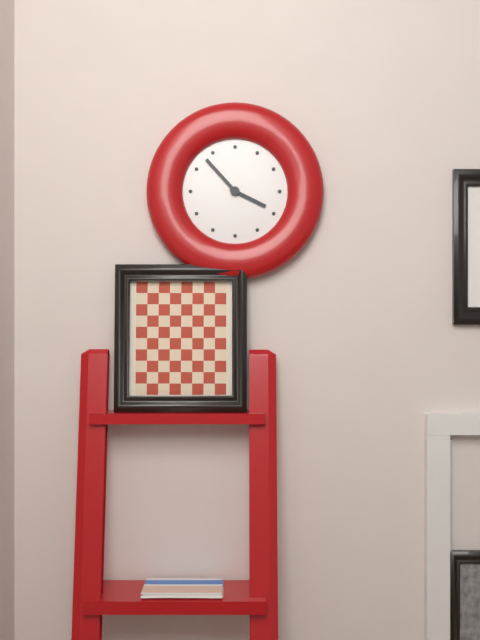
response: 3 h 53 min
